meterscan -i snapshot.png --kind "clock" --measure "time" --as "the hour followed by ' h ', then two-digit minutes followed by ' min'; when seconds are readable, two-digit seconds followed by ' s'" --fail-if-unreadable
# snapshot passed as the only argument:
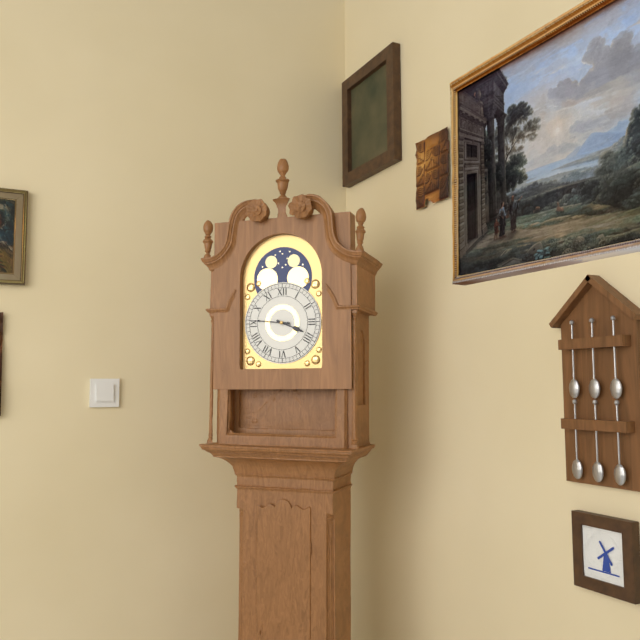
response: 3 h 46 min
